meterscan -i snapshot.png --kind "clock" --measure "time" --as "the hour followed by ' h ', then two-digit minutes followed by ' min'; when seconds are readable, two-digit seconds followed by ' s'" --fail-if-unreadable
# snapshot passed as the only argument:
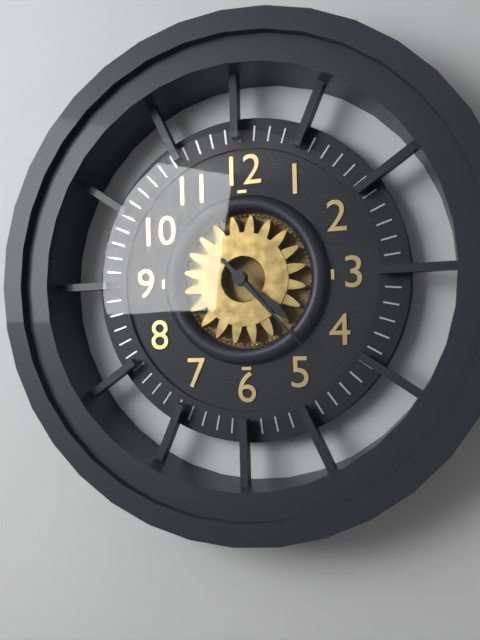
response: 4 h 23 min
